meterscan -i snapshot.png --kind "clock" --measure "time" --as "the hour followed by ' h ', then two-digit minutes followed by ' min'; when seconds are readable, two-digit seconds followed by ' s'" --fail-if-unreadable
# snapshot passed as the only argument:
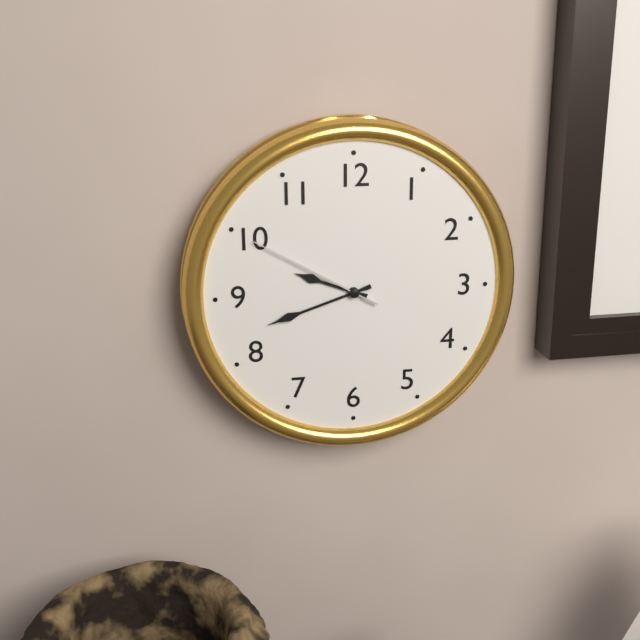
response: 9 h 42 min 50 s
